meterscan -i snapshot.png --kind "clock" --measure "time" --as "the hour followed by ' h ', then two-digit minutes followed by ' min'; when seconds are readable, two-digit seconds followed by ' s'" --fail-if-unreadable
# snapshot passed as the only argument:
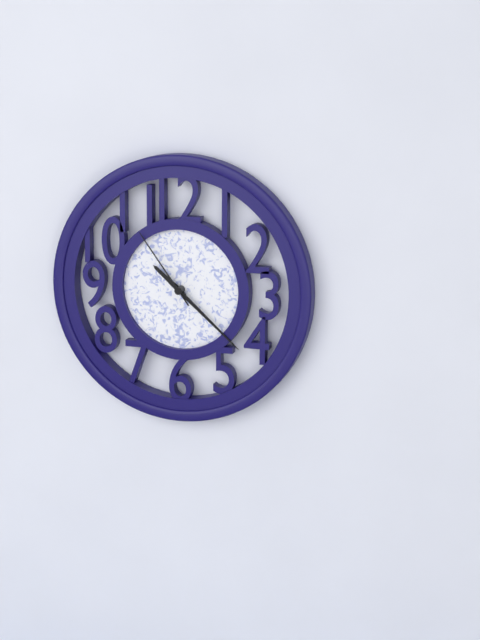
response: 10 h 22 min 54 s
